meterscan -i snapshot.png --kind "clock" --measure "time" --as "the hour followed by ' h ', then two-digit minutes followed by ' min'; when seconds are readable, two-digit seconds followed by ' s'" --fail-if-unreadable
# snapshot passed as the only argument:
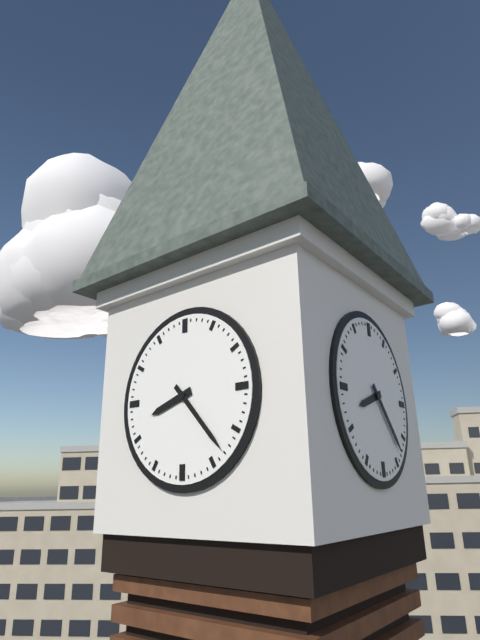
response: 8 h 23 min
